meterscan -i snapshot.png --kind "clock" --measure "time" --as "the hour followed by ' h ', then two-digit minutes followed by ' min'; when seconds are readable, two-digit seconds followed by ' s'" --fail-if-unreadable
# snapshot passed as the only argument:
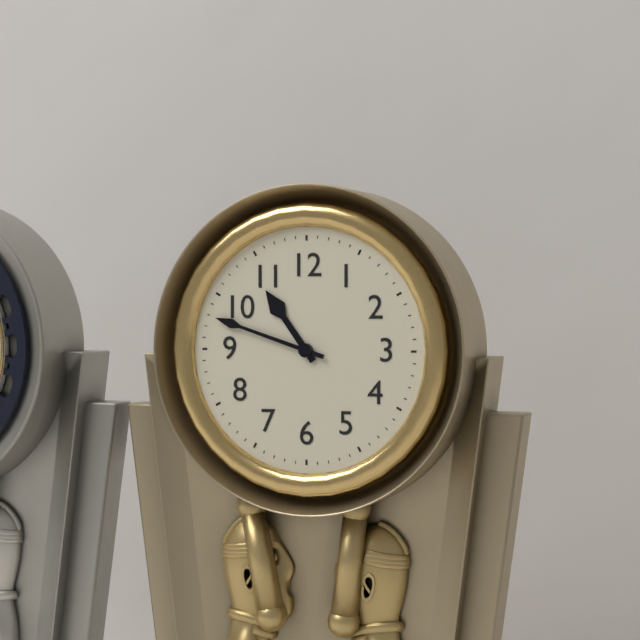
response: 10 h 48 min
